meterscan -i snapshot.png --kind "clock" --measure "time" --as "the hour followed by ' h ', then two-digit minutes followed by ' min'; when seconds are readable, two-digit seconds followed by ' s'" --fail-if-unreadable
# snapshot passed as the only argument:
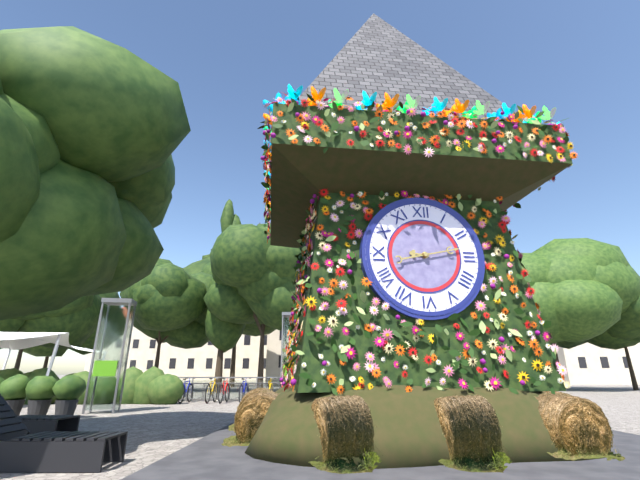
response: 9 h 13 min
